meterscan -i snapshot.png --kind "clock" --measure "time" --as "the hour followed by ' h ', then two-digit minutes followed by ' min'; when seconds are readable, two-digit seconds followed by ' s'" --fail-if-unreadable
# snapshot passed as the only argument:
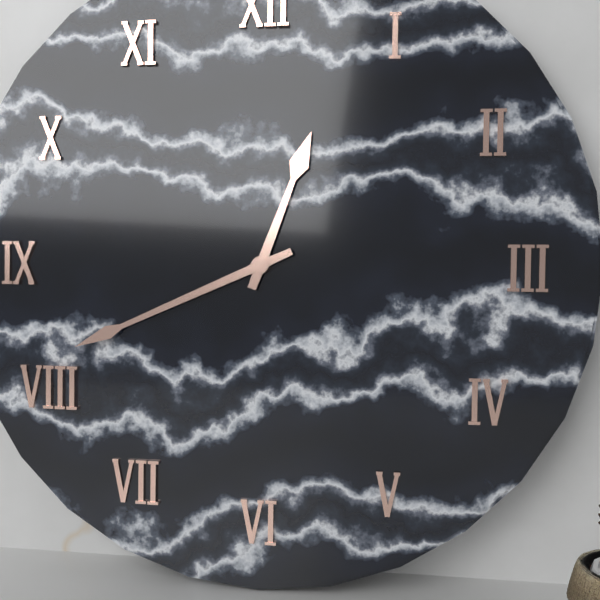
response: 12 h 41 min
